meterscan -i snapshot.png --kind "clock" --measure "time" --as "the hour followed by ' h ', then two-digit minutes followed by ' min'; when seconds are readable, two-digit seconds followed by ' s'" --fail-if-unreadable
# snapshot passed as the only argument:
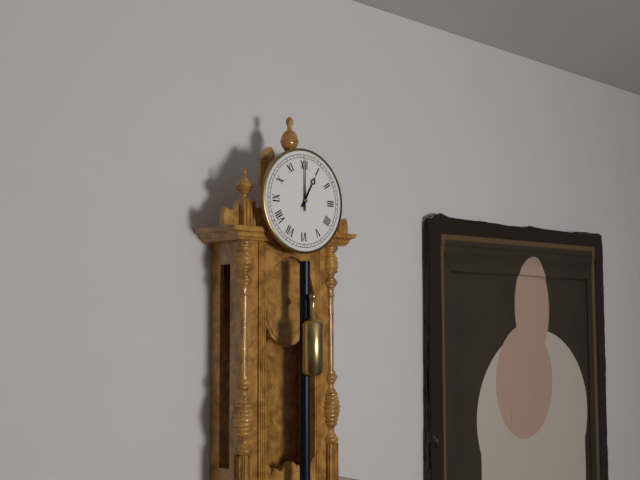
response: 1 h 00 min
